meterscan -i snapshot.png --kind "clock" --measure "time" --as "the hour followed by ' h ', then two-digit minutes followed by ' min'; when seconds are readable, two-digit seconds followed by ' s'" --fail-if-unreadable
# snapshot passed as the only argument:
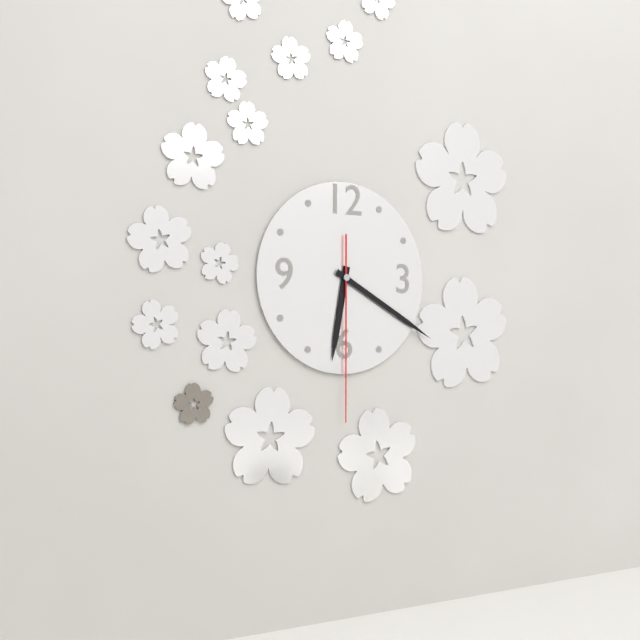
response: 6 h 20 min 30 s
